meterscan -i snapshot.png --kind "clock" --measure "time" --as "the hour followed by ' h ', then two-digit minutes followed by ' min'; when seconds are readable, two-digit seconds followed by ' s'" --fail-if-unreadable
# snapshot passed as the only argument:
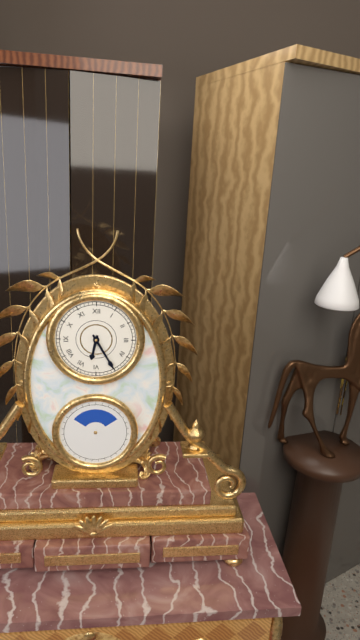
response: 6 h 25 min
